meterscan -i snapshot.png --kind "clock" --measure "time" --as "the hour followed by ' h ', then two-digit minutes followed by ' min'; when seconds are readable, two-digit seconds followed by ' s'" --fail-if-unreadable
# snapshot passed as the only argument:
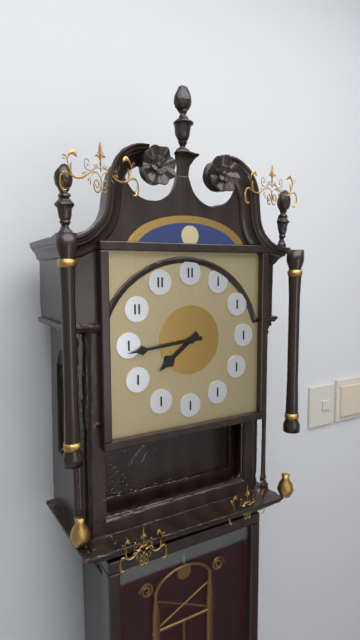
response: 7 h 44 min
